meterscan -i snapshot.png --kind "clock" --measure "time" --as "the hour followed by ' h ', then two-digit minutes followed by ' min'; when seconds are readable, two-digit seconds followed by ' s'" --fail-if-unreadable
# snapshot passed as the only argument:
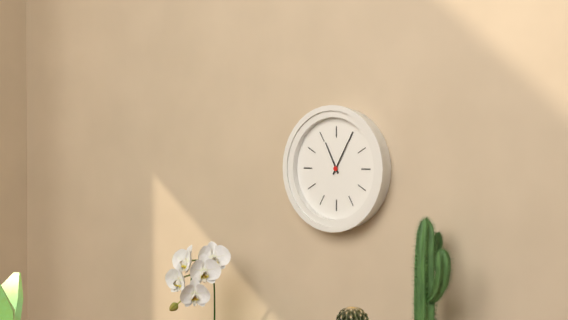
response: 11 h 05 min
